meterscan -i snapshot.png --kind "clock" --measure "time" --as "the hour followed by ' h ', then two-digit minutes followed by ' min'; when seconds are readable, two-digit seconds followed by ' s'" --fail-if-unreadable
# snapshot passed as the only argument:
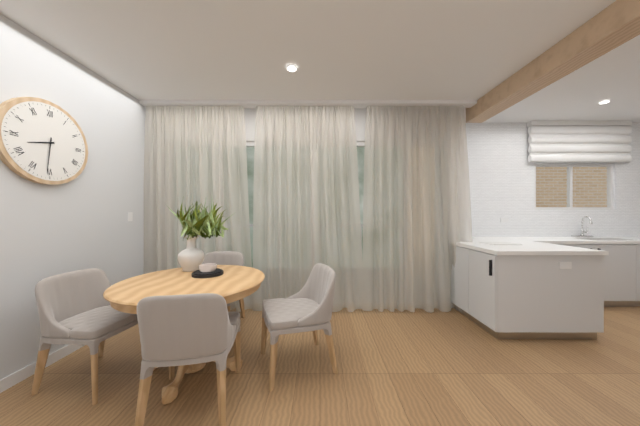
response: 8 h 31 min
